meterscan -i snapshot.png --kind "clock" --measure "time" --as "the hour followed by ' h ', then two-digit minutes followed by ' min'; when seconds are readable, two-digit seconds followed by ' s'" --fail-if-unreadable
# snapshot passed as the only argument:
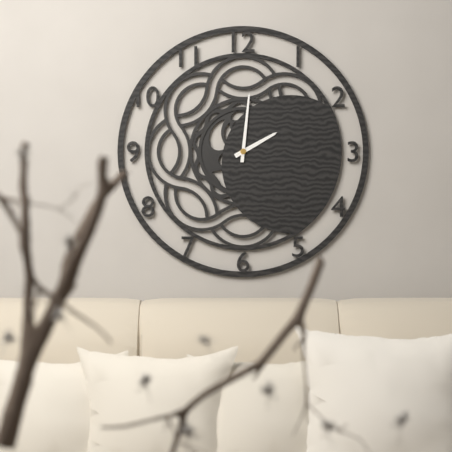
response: 2 h 01 min
